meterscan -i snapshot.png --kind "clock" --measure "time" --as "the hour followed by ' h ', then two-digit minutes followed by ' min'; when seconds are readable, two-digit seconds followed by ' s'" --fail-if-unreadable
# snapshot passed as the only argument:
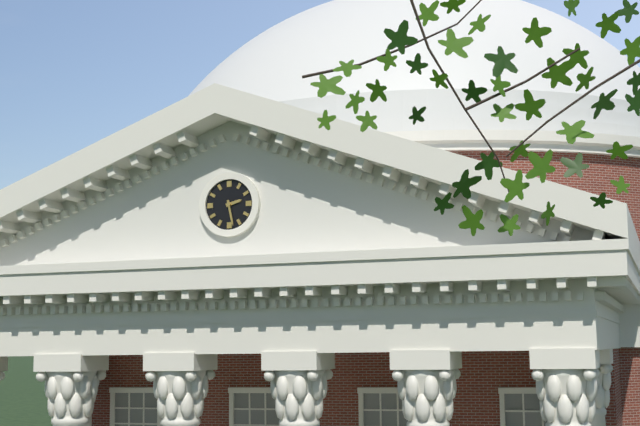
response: 2 h 28 min
